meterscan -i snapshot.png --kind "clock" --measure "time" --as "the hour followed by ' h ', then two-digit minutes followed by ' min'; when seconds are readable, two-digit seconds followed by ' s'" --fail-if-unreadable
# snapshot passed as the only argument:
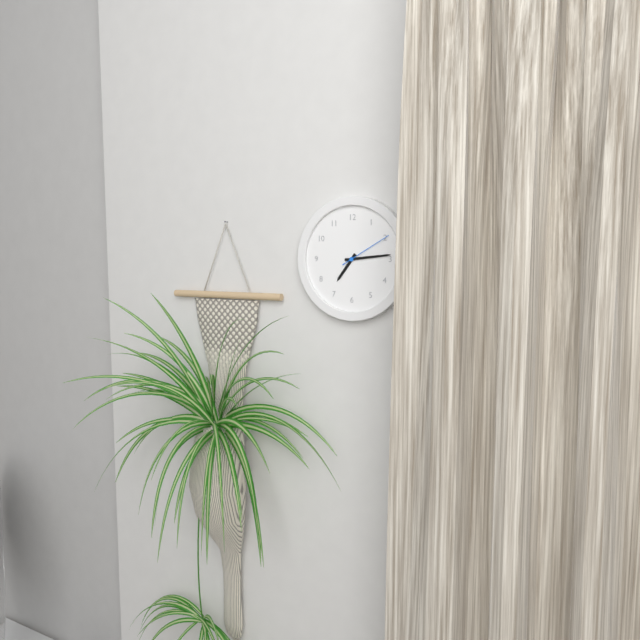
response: 7 h 14 min 10 s
